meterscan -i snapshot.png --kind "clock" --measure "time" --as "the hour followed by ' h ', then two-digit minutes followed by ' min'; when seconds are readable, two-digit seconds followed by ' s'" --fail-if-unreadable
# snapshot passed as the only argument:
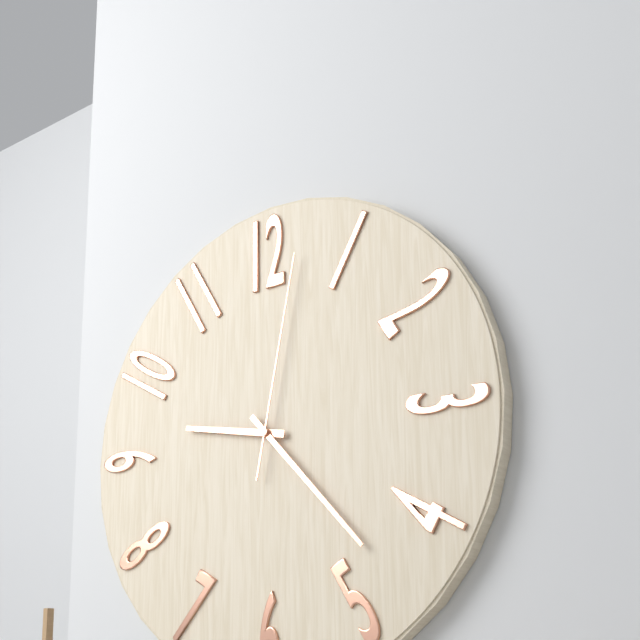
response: 9 h 23 min 02 s
